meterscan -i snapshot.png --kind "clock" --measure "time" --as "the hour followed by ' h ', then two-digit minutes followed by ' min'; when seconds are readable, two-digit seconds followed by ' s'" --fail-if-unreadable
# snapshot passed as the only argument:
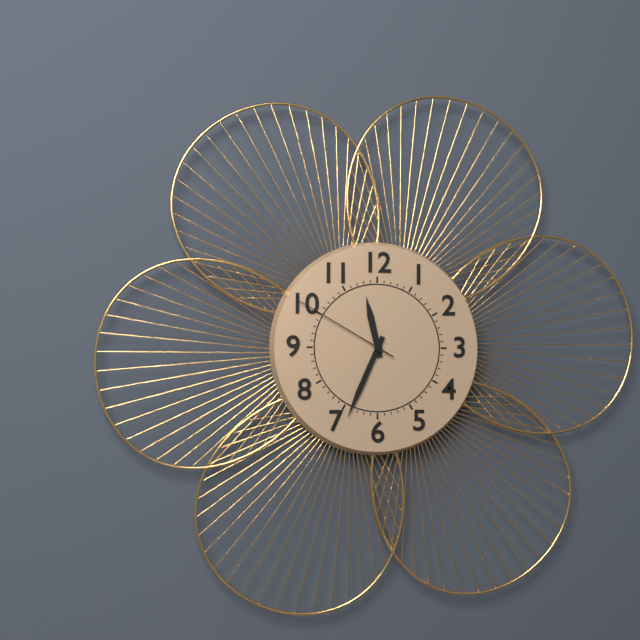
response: 11 h 34 min 50 s
